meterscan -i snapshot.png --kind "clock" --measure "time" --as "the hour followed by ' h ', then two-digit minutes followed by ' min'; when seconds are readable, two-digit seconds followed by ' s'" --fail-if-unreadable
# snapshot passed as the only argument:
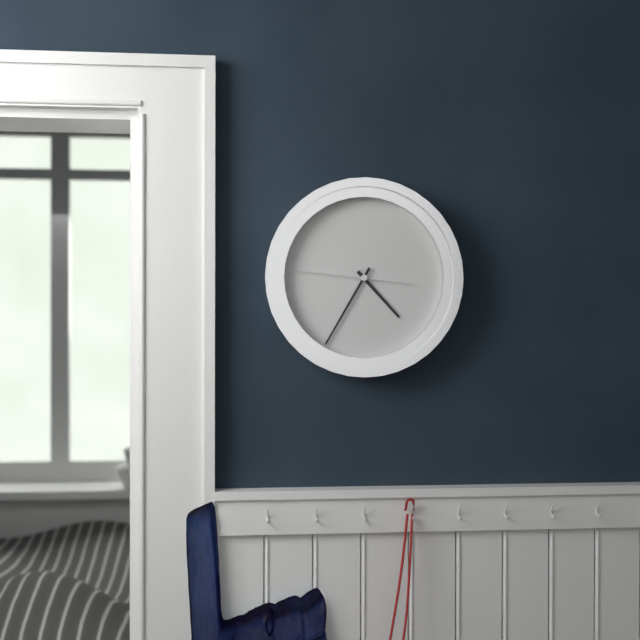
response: 4 h 35 min 46 s
